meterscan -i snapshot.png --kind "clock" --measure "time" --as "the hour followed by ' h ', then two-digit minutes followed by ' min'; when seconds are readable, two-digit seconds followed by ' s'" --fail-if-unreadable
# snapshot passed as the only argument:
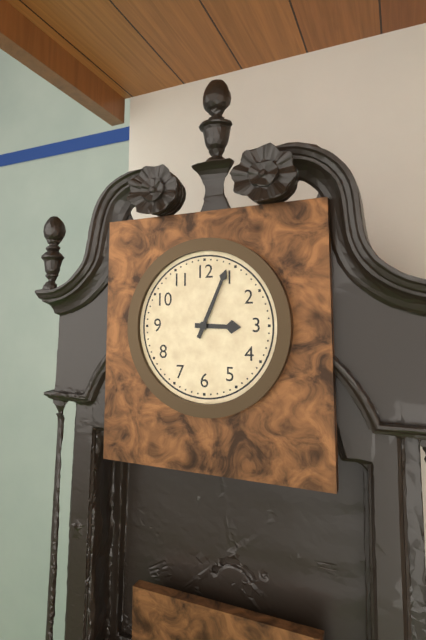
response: 3 h 04 min
